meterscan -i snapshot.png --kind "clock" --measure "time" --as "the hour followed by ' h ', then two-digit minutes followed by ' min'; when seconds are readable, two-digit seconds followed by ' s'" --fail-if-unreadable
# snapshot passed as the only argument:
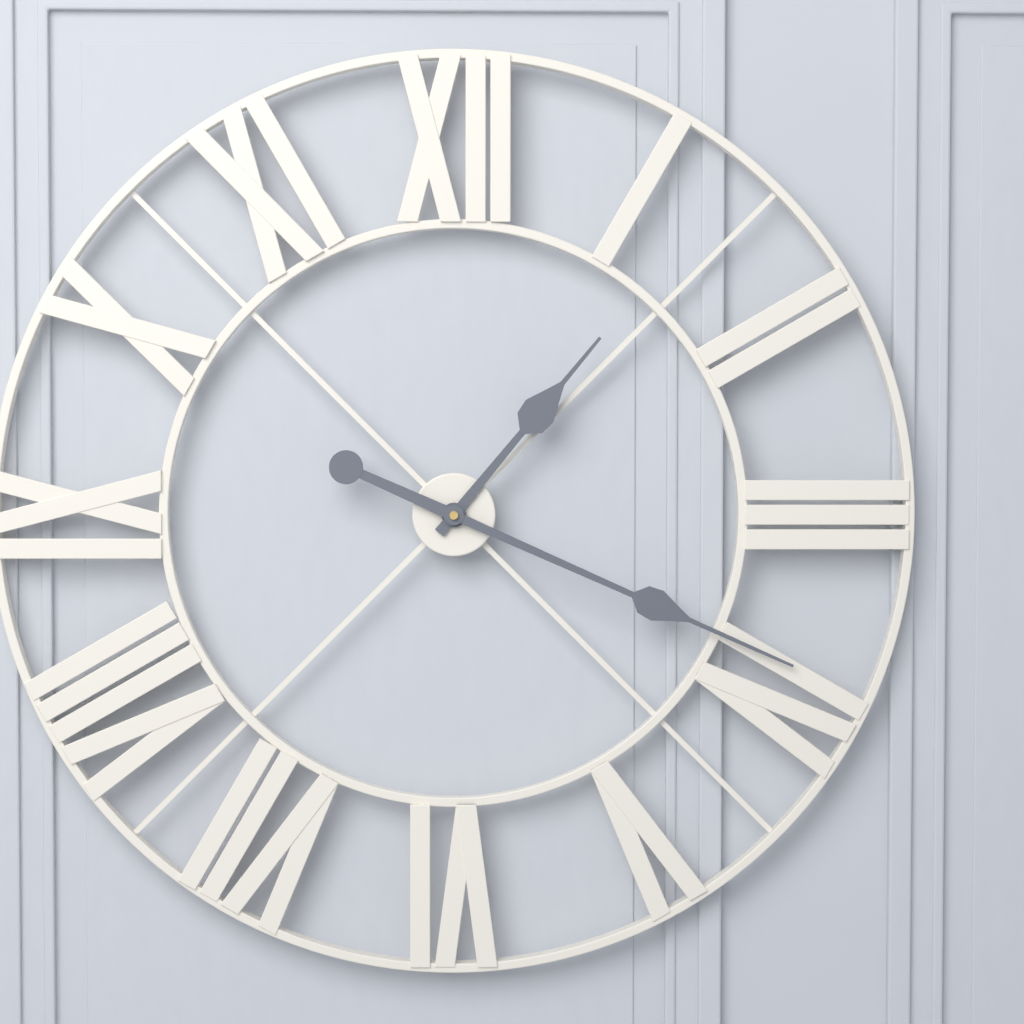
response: 1 h 19 min
